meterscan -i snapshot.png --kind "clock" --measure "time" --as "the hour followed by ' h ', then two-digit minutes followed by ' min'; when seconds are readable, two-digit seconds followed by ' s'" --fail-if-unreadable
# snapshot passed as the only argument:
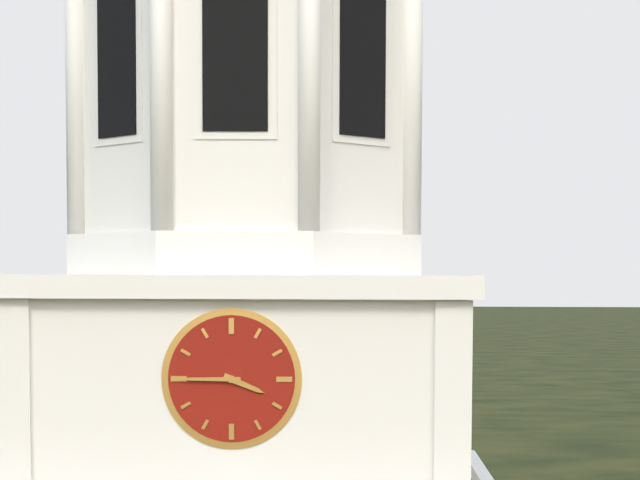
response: 3 h 45 min
